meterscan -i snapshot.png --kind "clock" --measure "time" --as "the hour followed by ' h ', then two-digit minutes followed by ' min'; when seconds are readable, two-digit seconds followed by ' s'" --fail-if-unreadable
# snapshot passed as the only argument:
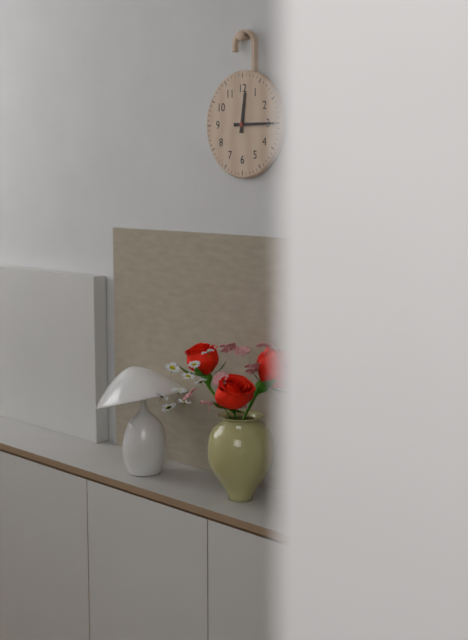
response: 12 h 15 min
